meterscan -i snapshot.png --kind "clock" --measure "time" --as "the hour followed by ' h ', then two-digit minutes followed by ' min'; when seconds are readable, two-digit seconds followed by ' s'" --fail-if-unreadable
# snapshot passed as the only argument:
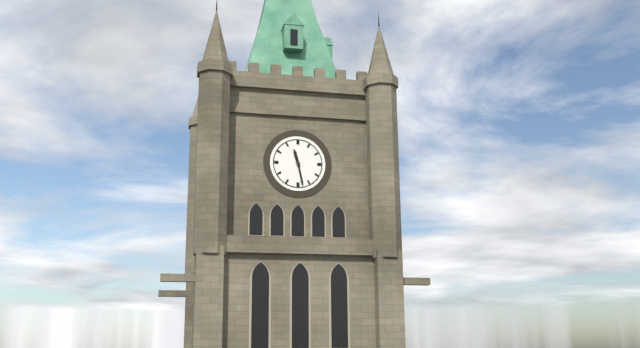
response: 11 h 28 min
